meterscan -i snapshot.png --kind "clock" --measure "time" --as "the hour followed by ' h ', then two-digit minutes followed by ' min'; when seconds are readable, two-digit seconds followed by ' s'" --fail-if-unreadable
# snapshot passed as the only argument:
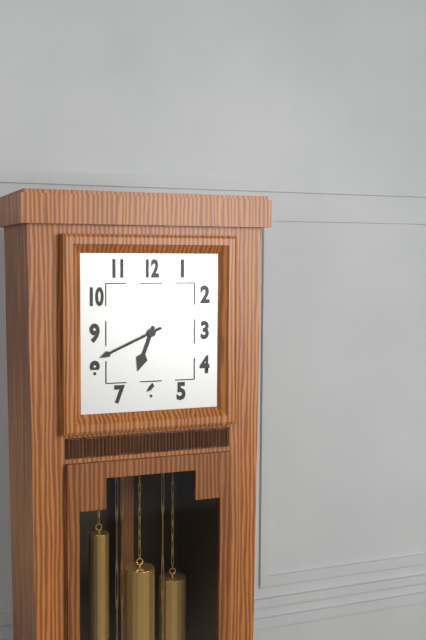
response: 6 h 41 min
